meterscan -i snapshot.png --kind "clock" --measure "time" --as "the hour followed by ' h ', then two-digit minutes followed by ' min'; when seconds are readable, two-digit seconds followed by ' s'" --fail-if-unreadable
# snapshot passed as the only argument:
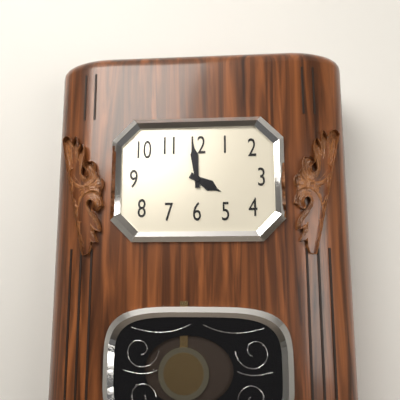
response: 3 h 59 min
